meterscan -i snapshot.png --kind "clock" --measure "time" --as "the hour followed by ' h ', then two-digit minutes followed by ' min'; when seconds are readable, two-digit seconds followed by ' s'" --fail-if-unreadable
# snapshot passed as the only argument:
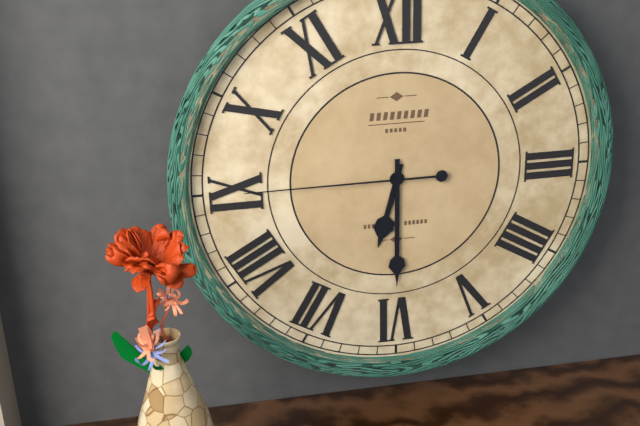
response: 6 h 30 min 45 s
